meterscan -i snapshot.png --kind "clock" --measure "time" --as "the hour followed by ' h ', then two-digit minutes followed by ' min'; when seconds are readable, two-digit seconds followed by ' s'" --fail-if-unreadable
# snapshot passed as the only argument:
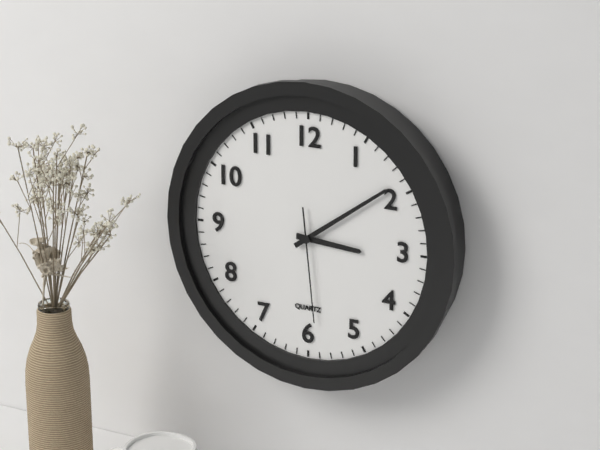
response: 3 h 09 min 29 s
